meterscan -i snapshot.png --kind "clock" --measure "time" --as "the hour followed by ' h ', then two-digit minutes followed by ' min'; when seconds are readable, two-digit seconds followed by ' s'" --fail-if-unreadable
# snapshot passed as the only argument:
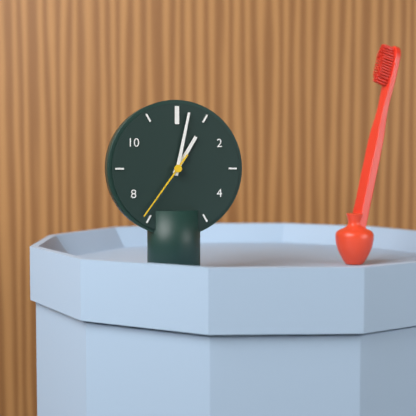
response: 1 h 02 min 36 s
